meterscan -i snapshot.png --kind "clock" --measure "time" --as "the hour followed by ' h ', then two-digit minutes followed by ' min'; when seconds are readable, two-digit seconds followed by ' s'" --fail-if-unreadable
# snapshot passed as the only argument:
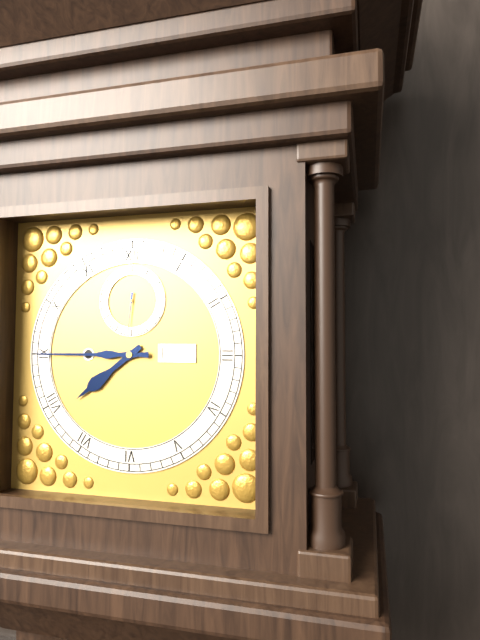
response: 7 h 45 min
